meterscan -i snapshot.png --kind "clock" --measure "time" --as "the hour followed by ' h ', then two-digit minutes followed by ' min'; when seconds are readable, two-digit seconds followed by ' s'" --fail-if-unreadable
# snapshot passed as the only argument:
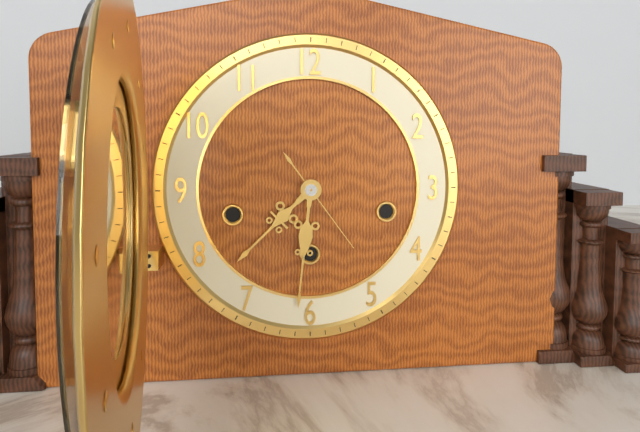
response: 7 h 31 min 24 s
